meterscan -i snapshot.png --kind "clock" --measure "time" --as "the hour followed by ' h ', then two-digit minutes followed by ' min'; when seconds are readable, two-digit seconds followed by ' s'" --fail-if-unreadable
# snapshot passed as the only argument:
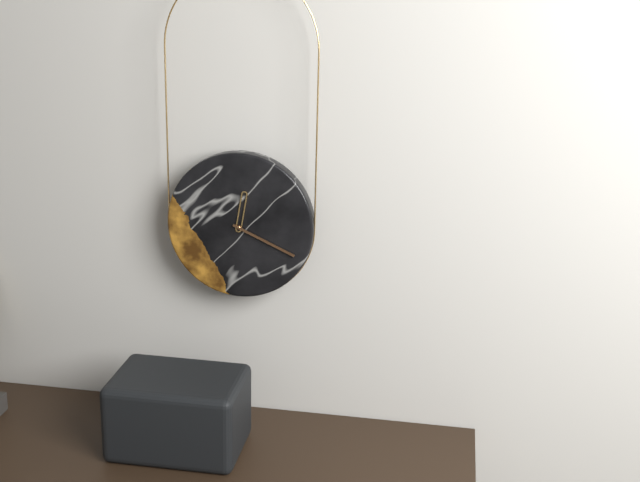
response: 12 h 19 min
